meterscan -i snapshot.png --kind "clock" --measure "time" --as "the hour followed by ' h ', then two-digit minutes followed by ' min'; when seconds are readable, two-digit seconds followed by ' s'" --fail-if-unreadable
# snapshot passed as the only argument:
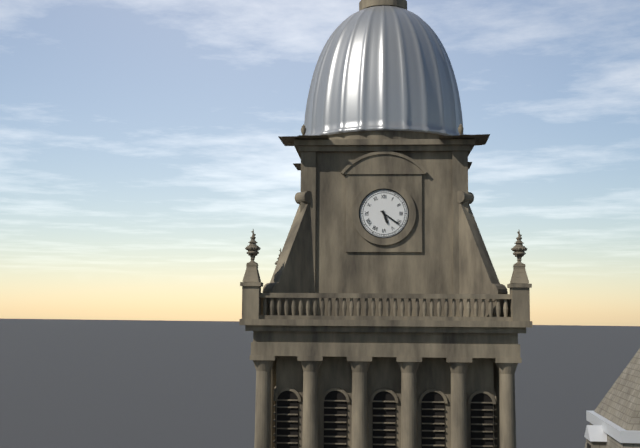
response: 5 h 21 min
